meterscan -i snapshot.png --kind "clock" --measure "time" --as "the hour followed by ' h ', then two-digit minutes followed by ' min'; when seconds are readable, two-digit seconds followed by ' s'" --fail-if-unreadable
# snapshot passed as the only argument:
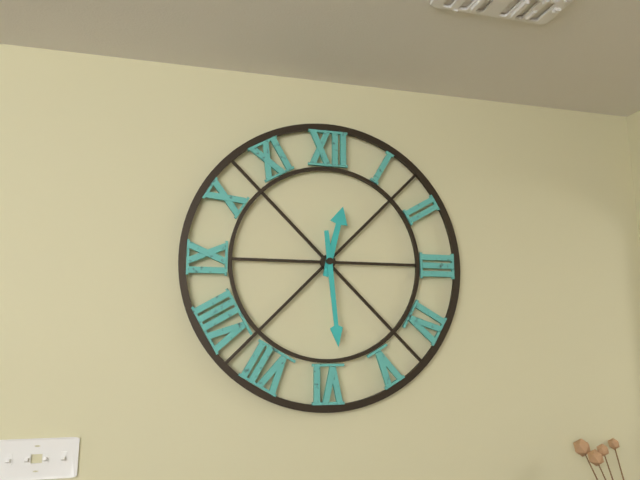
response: 12 h 29 min
